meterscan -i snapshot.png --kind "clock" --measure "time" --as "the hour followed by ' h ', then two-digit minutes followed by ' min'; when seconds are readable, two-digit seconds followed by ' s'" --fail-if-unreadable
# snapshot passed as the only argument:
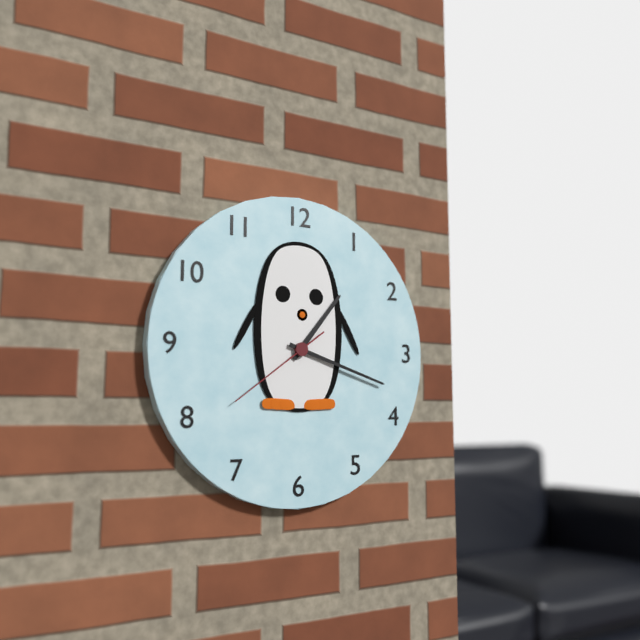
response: 1 h 18 min 39 s
